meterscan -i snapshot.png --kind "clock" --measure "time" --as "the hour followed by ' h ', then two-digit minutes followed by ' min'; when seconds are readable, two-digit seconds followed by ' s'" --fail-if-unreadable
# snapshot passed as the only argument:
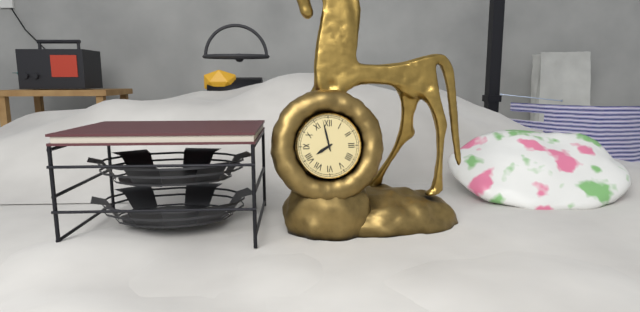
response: 7 h 58 min
